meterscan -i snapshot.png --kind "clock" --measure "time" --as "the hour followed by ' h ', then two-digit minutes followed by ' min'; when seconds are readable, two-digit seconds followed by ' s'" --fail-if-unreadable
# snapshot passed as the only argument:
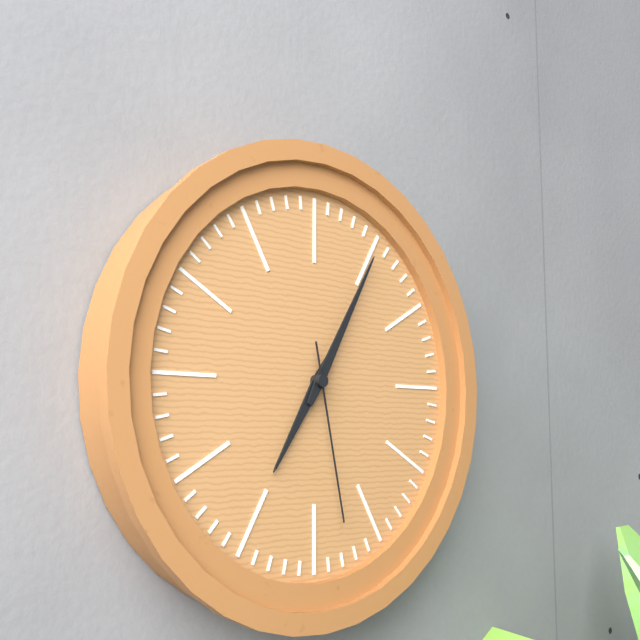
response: 7 h 05 min 28 s
